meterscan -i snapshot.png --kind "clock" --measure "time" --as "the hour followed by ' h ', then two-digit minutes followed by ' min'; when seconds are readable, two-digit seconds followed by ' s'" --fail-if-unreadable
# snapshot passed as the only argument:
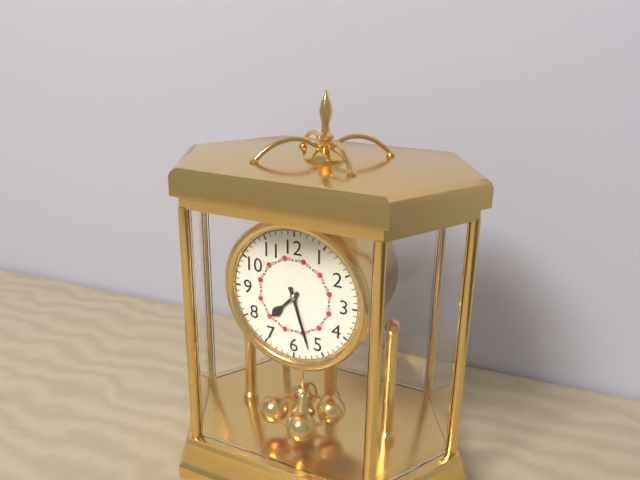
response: 7 h 27 min
